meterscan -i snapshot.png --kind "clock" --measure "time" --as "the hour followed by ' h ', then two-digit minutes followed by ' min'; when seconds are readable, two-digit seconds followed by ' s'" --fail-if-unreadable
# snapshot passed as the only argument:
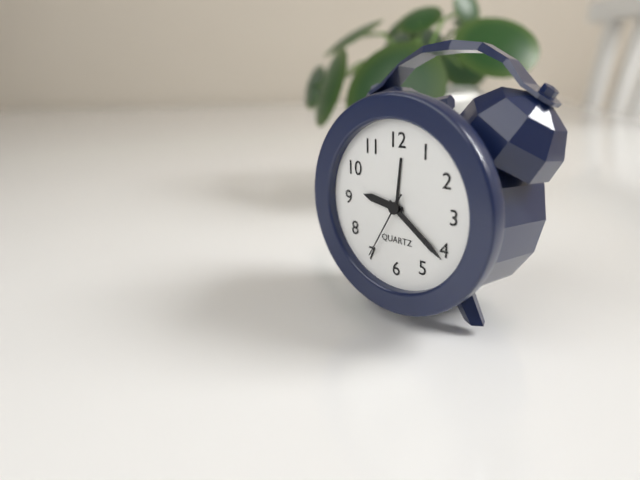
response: 9 h 21 min 35 s
